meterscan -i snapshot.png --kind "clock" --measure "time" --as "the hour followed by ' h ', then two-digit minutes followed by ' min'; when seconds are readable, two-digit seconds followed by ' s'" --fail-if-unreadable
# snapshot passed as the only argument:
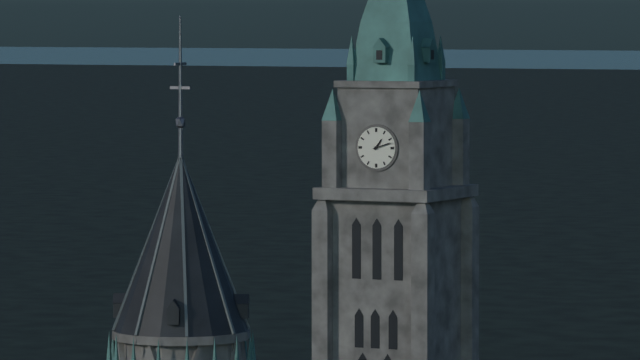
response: 1 h 12 min
